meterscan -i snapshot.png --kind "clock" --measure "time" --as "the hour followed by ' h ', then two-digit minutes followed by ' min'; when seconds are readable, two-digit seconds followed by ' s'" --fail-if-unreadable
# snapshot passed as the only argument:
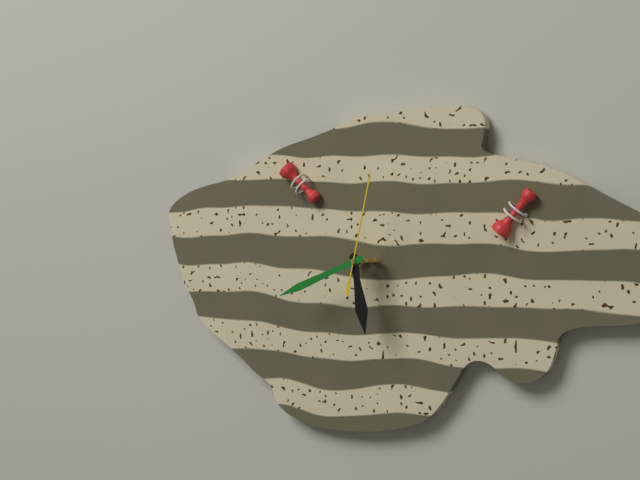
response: 5 h 41 min 02 s
